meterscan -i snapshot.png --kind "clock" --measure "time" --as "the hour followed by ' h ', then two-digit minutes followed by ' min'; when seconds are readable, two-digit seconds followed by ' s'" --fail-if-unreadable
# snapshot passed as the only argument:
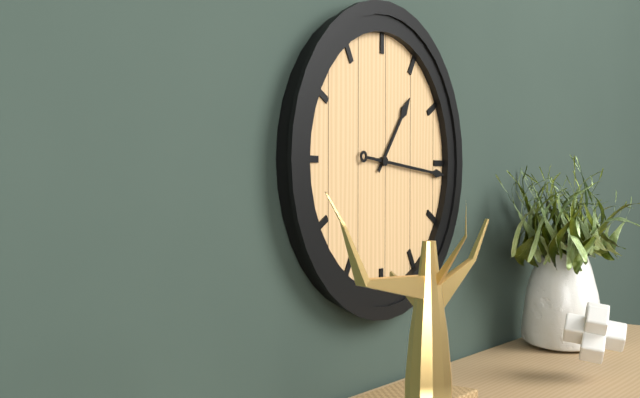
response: 1 h 16 min
